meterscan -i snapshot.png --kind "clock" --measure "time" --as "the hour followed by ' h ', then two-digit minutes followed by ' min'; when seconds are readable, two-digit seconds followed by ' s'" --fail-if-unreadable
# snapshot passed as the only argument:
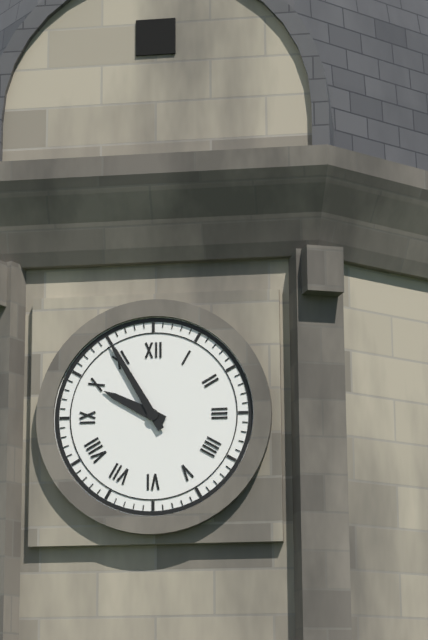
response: 9 h 55 min
